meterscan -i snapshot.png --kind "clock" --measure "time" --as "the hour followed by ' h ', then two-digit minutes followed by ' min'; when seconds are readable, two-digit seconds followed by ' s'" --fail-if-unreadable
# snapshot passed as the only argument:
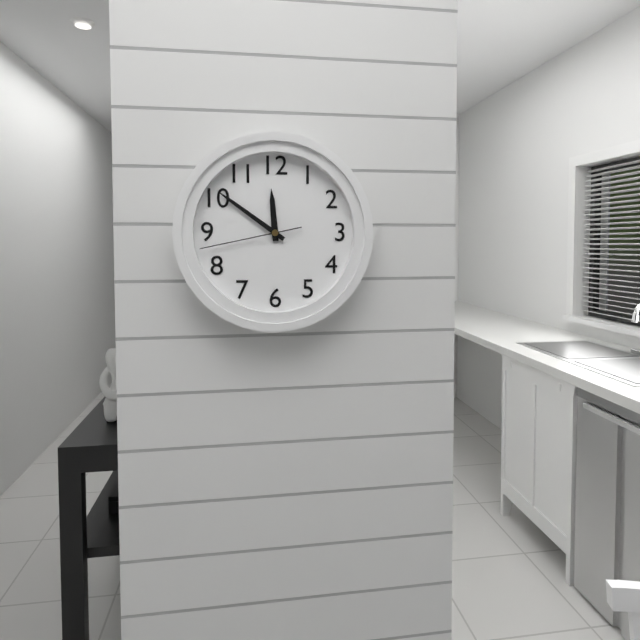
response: 11 h 51 min 43 s
